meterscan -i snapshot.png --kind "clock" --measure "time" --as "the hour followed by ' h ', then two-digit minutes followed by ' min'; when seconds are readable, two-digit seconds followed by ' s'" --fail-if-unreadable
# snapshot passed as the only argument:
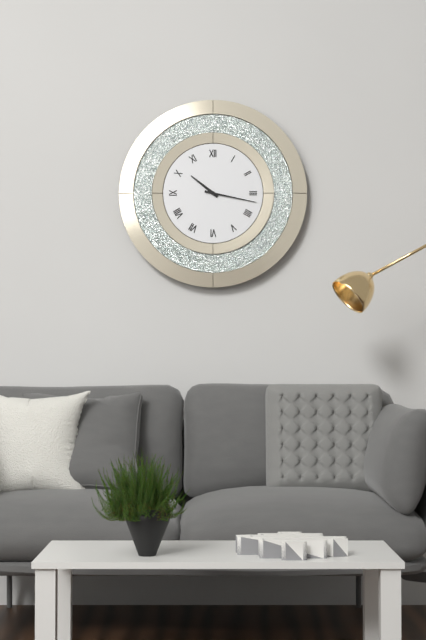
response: 10 h 17 min
